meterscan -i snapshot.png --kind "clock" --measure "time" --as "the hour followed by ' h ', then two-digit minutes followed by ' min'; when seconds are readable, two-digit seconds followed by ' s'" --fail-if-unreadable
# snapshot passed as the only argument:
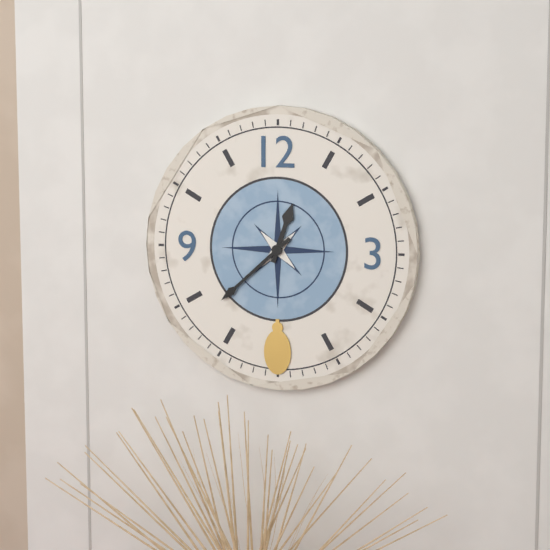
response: 12 h 38 min
